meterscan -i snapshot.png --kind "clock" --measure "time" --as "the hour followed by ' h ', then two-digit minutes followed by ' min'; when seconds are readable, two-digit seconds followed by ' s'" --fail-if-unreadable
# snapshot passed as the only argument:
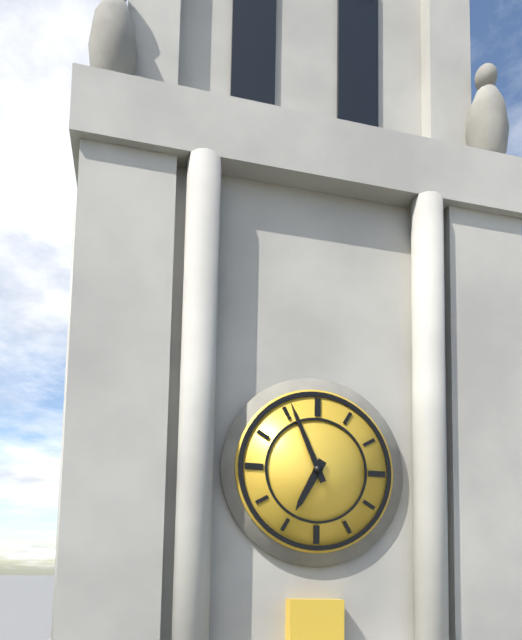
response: 6 h 56 min
